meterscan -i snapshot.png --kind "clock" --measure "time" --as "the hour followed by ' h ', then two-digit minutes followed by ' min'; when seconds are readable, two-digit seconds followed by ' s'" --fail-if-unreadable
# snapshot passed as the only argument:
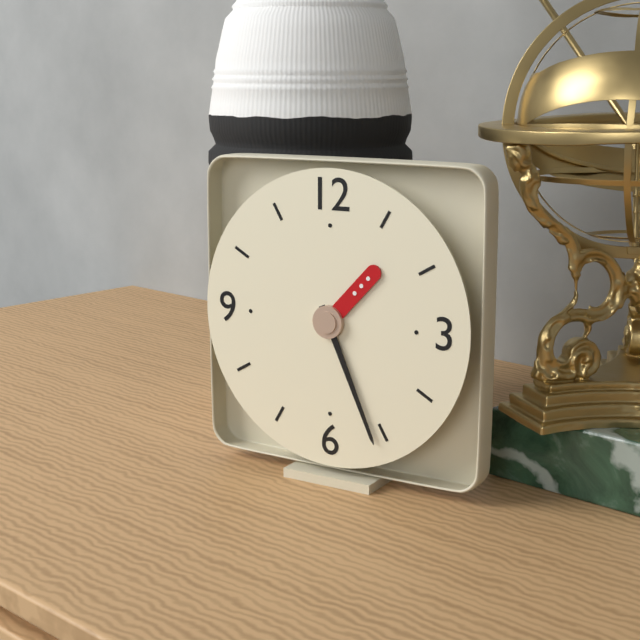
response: 1 h 26 min
